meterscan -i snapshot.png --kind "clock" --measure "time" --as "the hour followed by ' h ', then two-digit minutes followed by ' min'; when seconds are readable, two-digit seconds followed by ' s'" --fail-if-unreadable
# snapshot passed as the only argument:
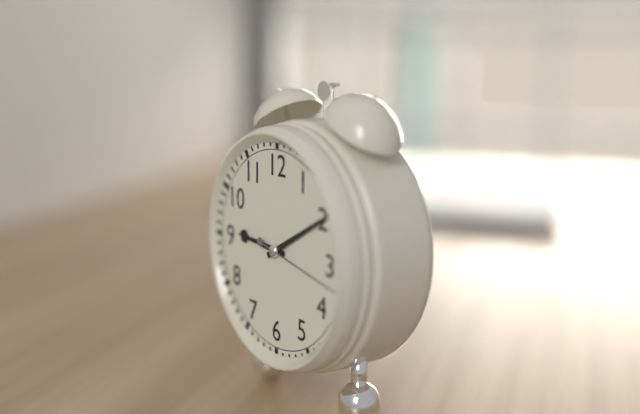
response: 9 h 10 min 17 s
